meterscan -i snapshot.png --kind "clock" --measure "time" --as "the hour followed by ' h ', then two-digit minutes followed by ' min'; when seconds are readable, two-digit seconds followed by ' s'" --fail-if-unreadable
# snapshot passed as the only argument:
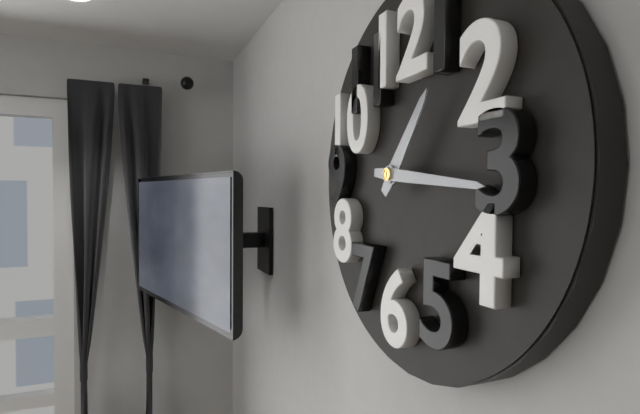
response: 1 h 16 min
